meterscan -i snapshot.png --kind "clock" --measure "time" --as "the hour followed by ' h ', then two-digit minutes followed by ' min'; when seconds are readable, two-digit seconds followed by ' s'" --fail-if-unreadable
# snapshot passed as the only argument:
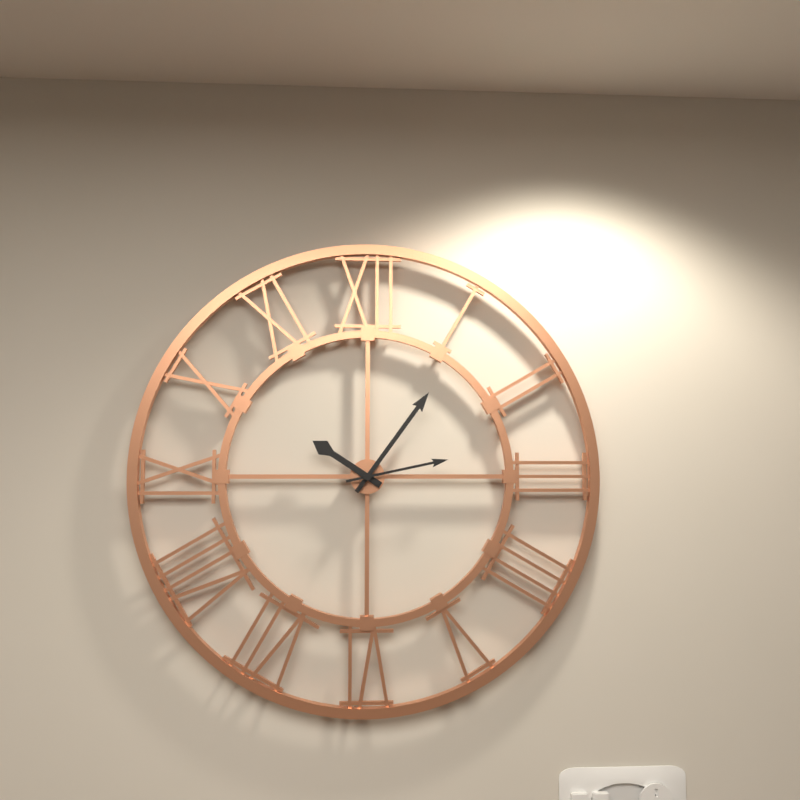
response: 10 h 06 min 13 s
